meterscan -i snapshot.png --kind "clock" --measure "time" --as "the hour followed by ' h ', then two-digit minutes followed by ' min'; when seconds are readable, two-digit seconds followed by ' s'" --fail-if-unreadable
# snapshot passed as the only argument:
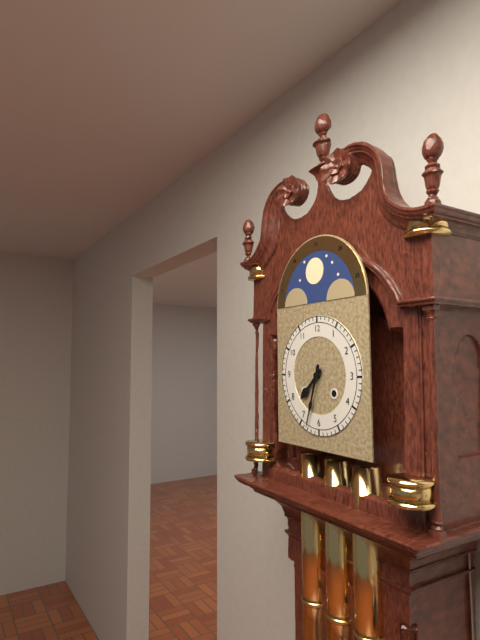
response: 7 h 33 min
